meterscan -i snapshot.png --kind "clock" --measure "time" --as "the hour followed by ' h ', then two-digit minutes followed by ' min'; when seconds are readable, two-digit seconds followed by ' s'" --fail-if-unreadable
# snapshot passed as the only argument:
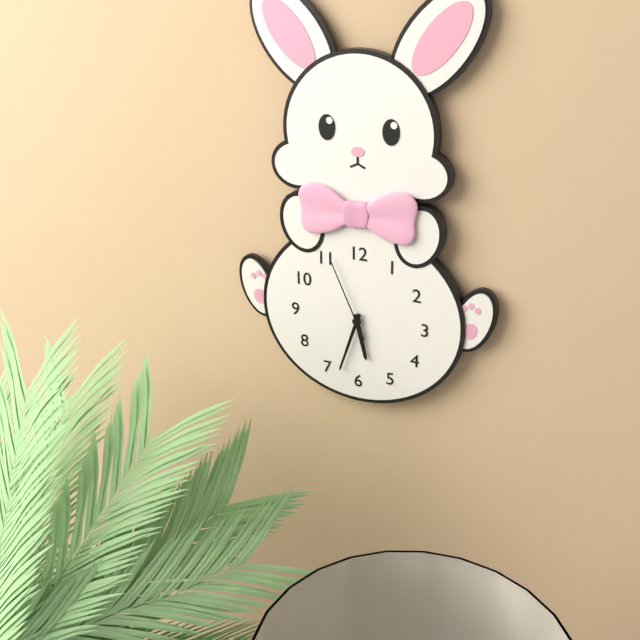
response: 5 h 33 min 56 s
